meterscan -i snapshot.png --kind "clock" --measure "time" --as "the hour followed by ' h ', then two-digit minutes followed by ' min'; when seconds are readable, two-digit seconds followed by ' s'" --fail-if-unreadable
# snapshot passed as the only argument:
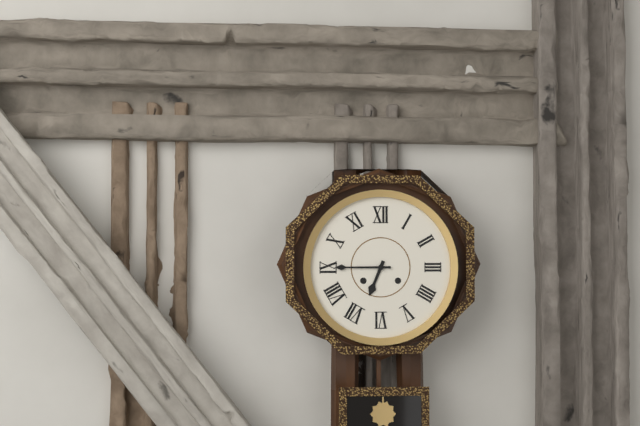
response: 6 h 45 min
